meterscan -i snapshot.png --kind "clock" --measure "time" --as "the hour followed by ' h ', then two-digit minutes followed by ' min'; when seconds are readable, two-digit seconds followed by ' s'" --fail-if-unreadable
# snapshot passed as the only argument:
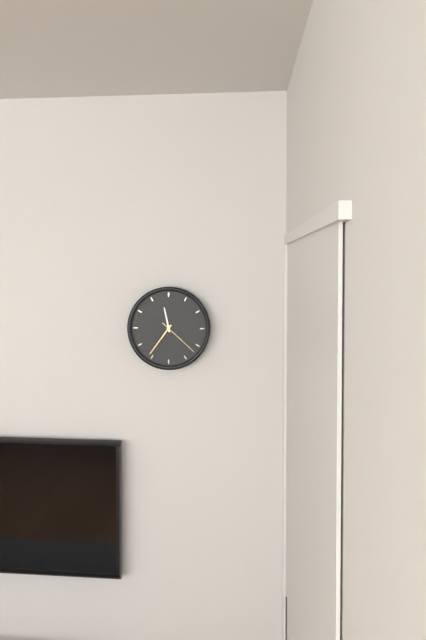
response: 11 h 36 min
